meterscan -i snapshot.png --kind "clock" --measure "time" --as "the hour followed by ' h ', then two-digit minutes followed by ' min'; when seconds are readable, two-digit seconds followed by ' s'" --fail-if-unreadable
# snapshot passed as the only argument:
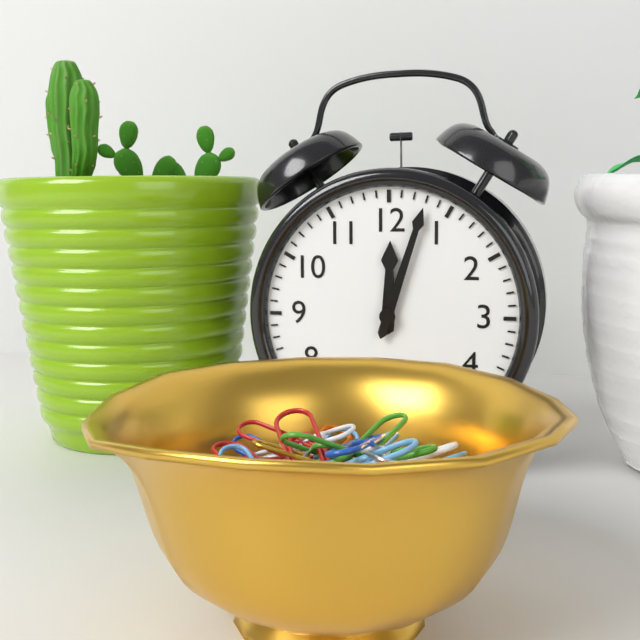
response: 12 h 03 min
